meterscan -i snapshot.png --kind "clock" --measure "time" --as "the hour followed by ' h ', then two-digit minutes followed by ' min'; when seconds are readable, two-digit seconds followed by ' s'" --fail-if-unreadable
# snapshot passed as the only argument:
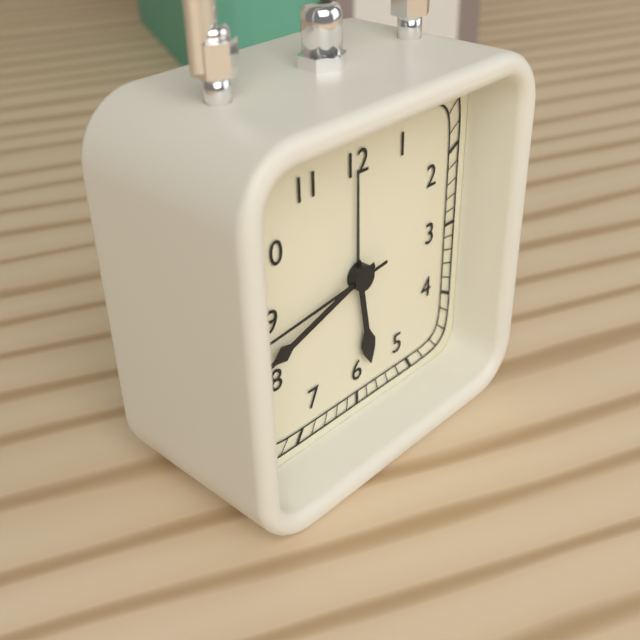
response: 5 h 42 min 44 s
